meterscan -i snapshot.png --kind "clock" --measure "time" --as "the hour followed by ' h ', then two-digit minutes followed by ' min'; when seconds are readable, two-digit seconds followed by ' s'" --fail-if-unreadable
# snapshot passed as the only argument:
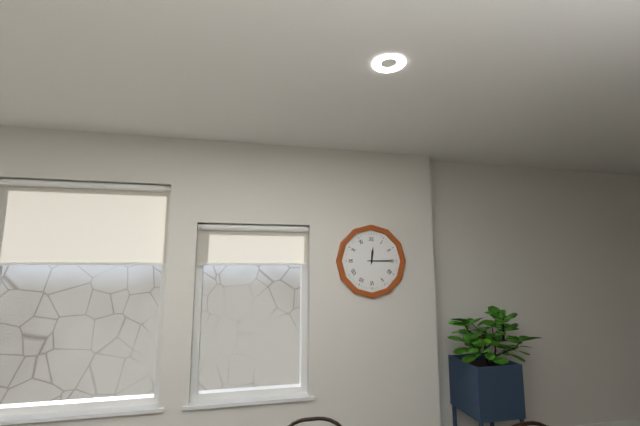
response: 12 h 15 min
